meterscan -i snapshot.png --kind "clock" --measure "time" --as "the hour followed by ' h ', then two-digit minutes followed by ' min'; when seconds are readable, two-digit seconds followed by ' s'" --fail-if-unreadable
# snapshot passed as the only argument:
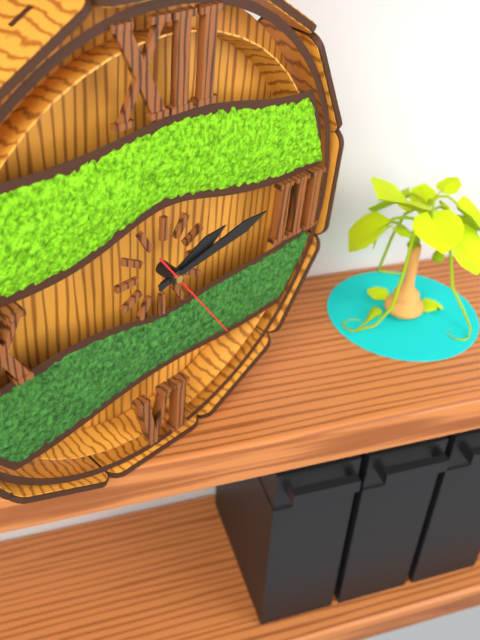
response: 2 h 13 min 24 s
